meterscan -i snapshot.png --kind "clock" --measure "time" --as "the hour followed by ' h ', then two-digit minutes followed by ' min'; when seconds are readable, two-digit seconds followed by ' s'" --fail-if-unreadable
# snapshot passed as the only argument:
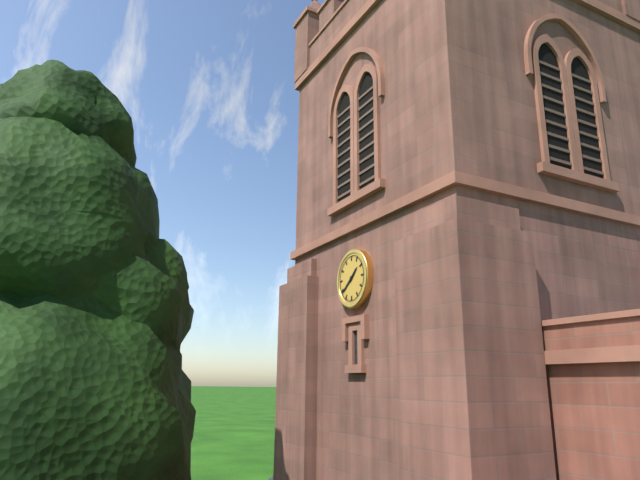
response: 1 h 39 min
